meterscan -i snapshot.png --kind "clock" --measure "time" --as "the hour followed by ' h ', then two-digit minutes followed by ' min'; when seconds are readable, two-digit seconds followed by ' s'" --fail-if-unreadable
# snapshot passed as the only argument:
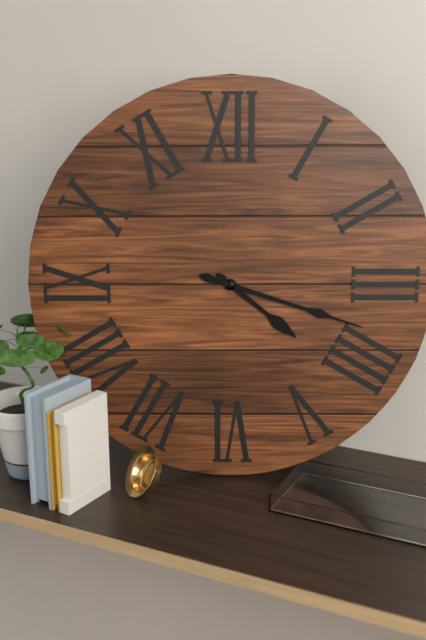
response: 4 h 18 min
